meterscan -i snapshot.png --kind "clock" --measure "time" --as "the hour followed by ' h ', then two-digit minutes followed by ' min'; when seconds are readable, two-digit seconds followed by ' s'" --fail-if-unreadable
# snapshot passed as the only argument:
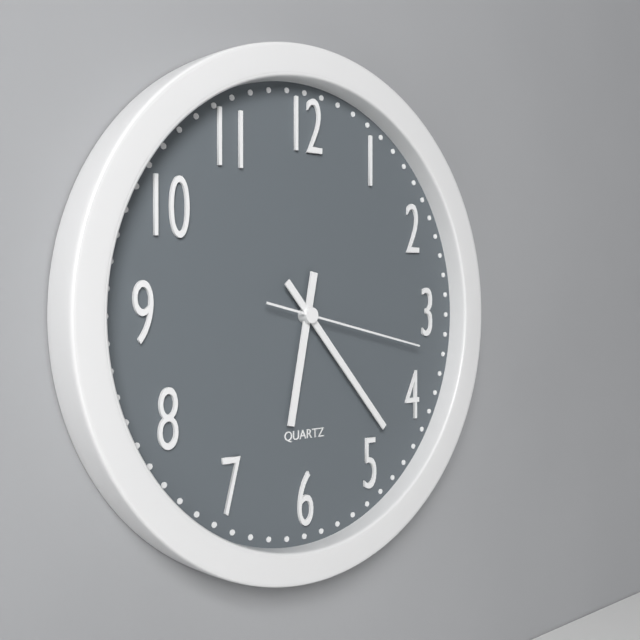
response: 6 h 23 min 17 s
